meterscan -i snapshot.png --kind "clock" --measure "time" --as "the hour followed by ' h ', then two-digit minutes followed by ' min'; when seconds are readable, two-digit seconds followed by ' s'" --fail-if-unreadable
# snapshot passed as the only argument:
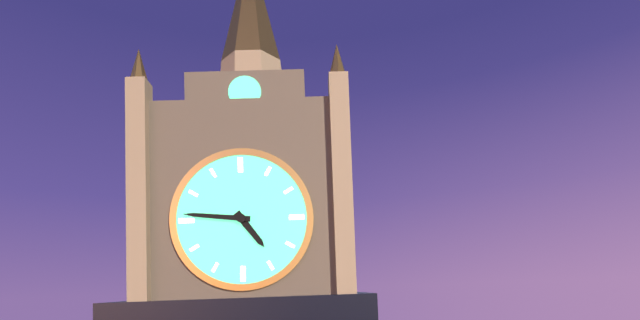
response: 4 h 46 min
